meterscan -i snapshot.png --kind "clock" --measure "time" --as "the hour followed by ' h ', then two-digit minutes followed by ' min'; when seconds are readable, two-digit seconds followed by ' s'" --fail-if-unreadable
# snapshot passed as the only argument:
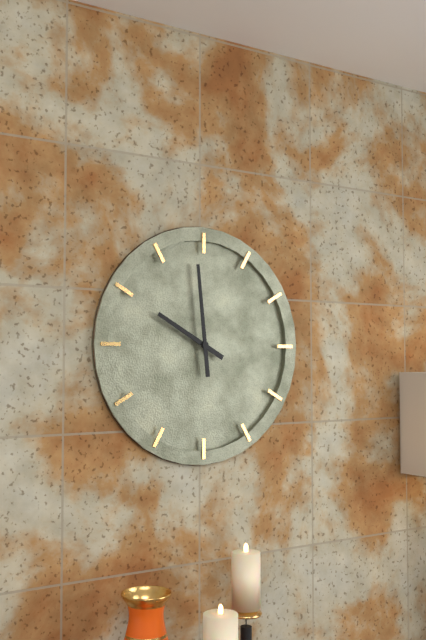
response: 9 h 59 min
